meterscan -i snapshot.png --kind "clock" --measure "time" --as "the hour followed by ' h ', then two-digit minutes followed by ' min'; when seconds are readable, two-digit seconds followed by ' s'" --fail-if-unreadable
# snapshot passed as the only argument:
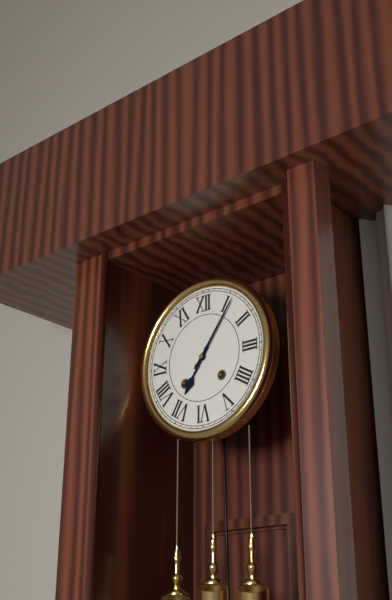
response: 7 h 06 min
